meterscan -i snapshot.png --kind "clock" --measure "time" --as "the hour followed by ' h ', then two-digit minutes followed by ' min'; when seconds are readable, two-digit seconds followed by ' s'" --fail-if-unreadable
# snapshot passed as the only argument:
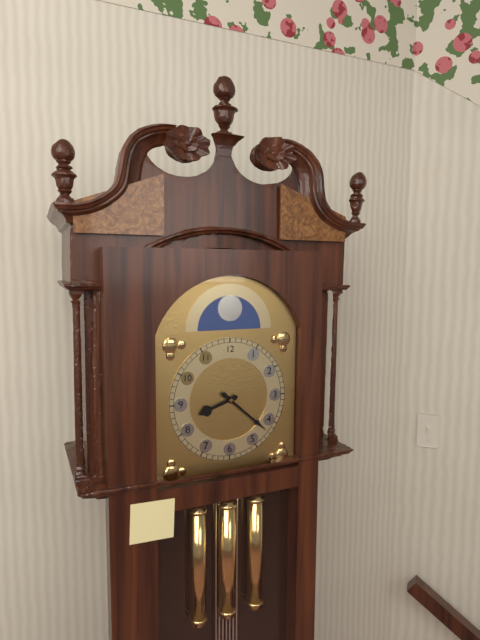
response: 8 h 22 min
